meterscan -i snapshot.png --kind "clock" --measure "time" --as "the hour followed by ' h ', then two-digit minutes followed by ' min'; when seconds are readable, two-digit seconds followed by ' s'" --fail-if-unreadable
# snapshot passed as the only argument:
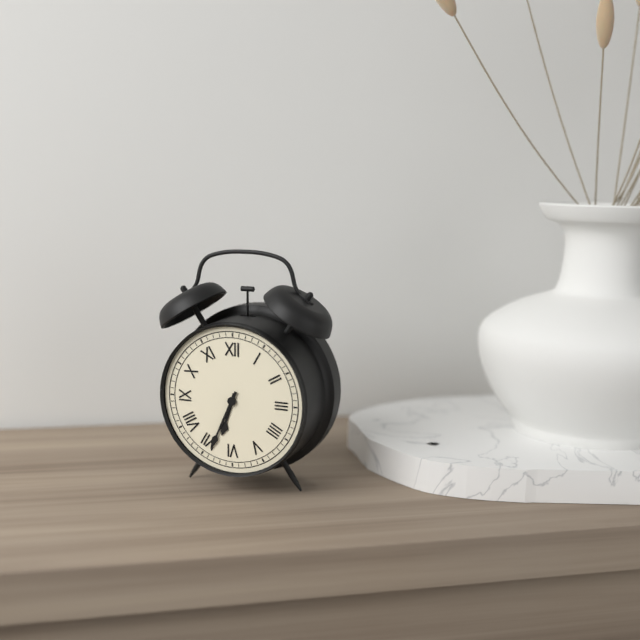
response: 6 h 34 min
